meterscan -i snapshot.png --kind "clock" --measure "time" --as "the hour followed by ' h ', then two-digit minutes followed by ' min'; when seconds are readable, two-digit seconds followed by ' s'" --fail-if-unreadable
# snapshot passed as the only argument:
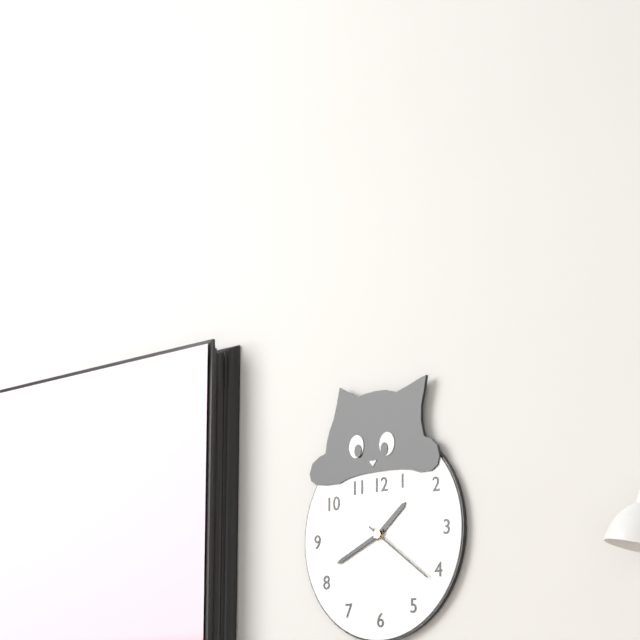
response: 1 h 41 min 21 s
